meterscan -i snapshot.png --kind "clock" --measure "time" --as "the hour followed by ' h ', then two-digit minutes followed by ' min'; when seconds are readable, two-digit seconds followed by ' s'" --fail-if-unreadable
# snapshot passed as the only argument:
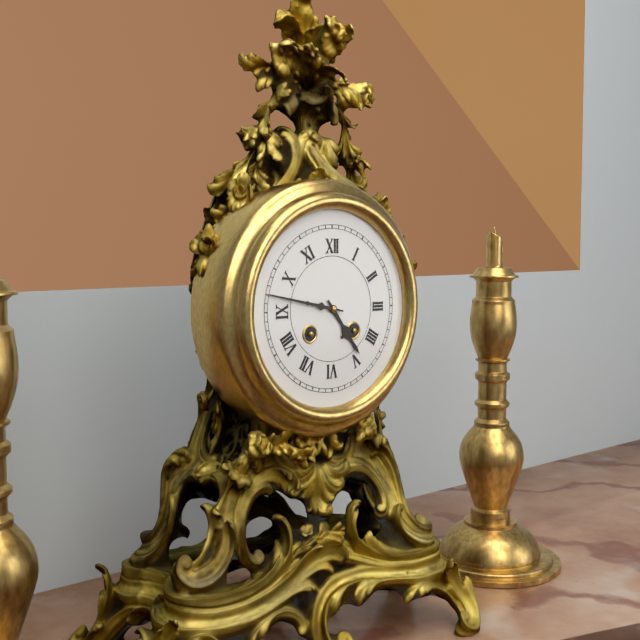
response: 4 h 47 min
